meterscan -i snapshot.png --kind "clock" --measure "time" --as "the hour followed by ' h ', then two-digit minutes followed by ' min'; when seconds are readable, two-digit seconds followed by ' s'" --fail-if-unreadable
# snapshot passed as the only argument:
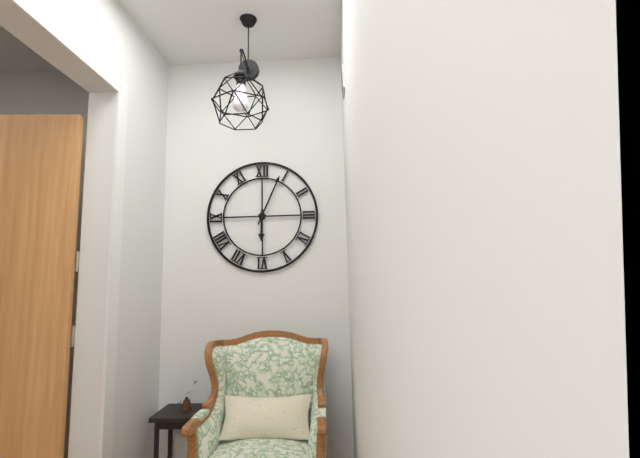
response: 6 h 04 min
